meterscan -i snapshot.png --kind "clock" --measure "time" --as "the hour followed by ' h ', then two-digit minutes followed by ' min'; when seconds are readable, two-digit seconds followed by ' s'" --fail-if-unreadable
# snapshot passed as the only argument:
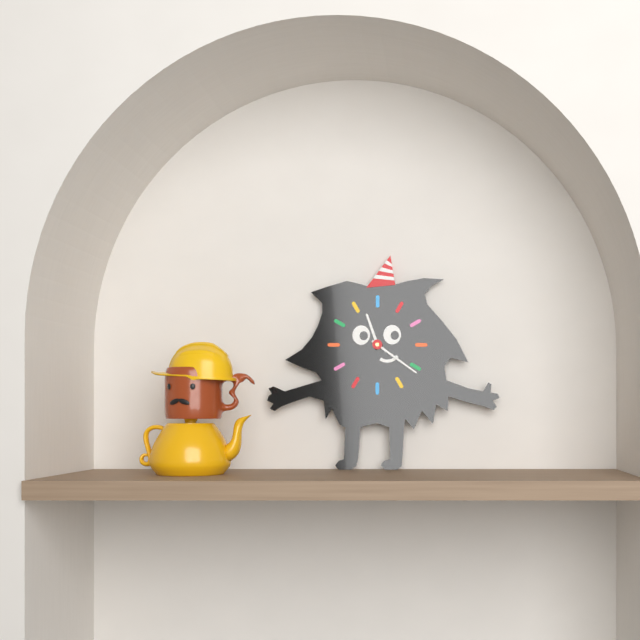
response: 11 h 21 min
